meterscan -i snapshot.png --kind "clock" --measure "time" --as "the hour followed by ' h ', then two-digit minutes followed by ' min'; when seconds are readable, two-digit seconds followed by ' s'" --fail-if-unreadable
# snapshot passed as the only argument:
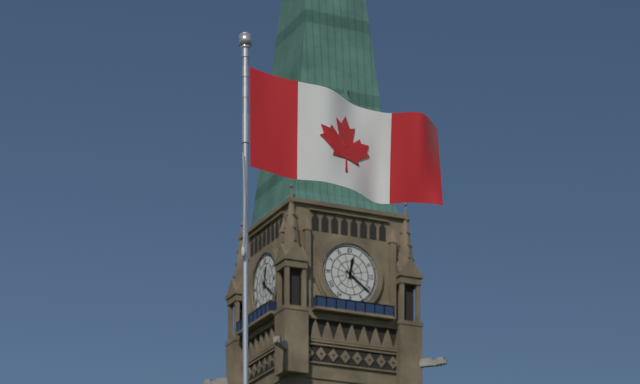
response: 12 h 21 min
